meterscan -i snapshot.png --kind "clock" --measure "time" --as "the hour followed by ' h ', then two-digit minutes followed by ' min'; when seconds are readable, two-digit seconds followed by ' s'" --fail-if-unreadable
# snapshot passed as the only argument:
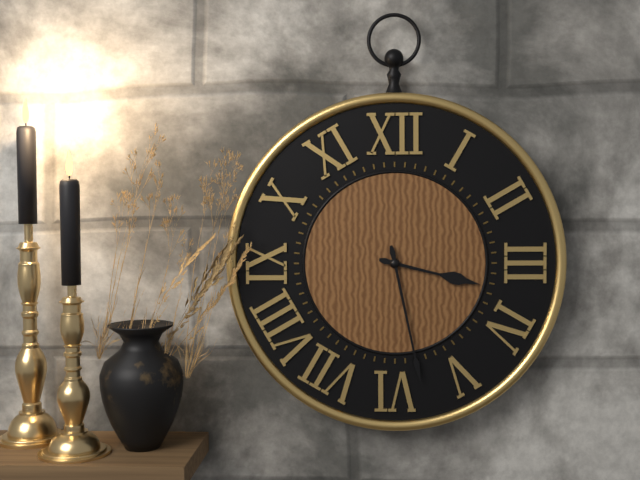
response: 3 h 28 min
